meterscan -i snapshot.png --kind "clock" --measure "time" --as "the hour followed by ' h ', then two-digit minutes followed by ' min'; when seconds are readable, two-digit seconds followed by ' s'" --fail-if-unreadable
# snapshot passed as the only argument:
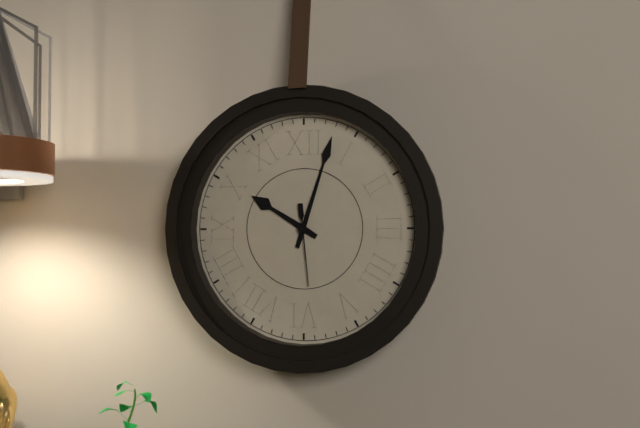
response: 10 h 03 min 29 s
